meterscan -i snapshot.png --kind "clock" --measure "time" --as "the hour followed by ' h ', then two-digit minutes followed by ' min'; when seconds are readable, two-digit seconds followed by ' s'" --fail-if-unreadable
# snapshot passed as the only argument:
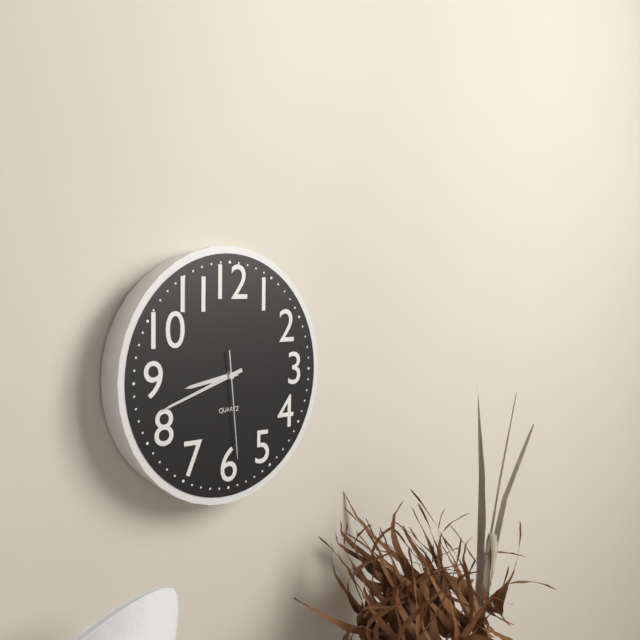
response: 8 h 42 min 29 s
